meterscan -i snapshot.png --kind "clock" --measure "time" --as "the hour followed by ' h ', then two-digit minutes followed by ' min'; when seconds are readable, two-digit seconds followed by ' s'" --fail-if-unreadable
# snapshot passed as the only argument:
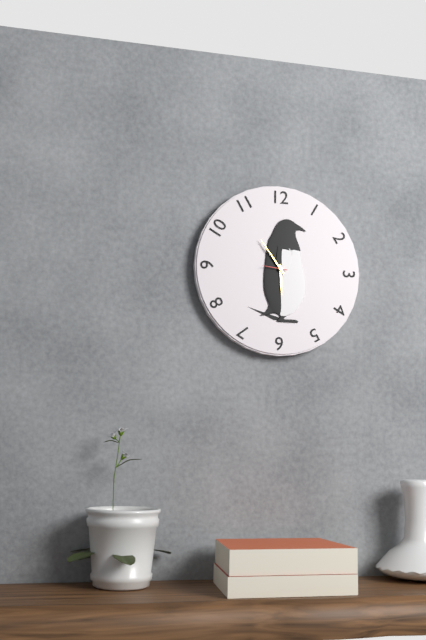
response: 5 h 54 min
